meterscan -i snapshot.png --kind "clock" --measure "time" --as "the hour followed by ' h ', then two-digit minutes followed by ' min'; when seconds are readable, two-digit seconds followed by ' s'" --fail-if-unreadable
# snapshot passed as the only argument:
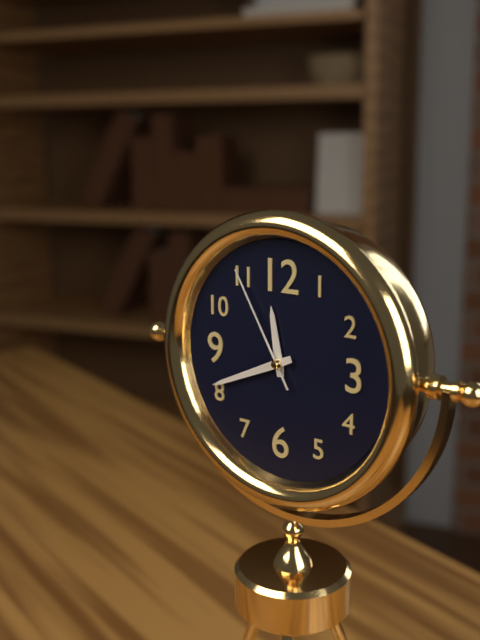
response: 11 h 41 min 55 s
